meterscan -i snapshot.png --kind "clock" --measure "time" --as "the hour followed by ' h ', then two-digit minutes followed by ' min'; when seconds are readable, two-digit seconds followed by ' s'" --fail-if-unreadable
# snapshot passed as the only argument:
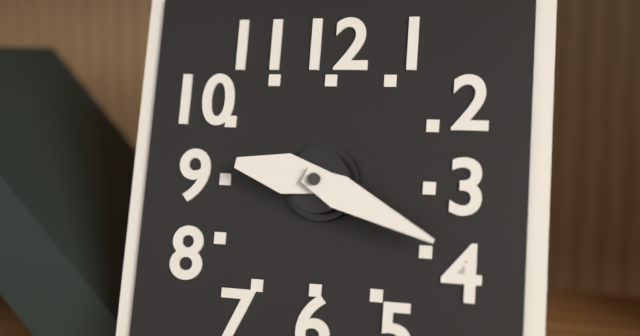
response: 9 h 19 min
